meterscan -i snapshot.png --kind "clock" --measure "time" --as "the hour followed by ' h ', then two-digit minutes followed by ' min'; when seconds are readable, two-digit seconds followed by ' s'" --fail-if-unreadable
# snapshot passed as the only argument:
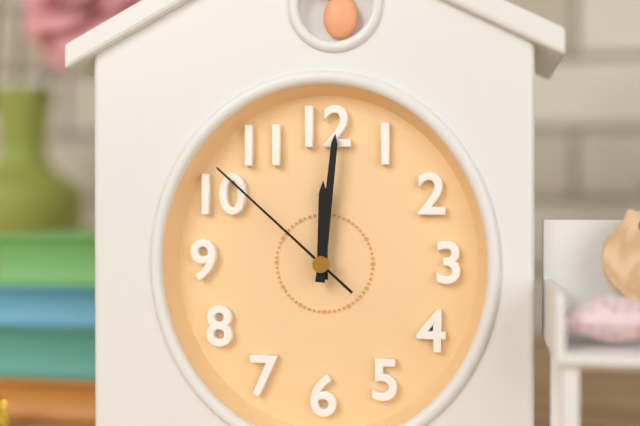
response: 12 h 01 min 52 s
